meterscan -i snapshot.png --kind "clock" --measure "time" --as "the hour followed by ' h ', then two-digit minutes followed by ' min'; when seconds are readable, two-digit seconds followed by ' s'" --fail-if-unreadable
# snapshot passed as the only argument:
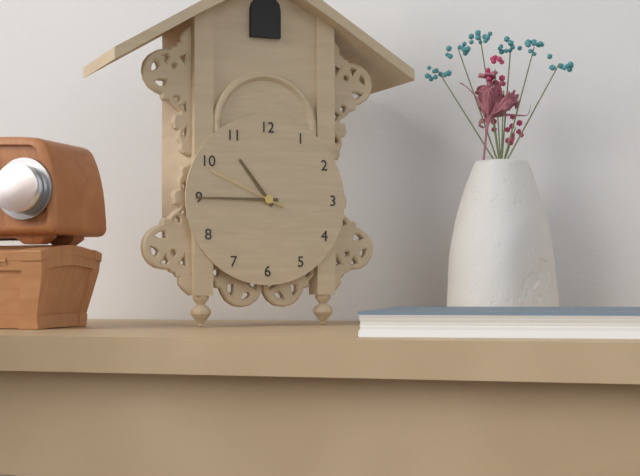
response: 10 h 45 min 49 s
